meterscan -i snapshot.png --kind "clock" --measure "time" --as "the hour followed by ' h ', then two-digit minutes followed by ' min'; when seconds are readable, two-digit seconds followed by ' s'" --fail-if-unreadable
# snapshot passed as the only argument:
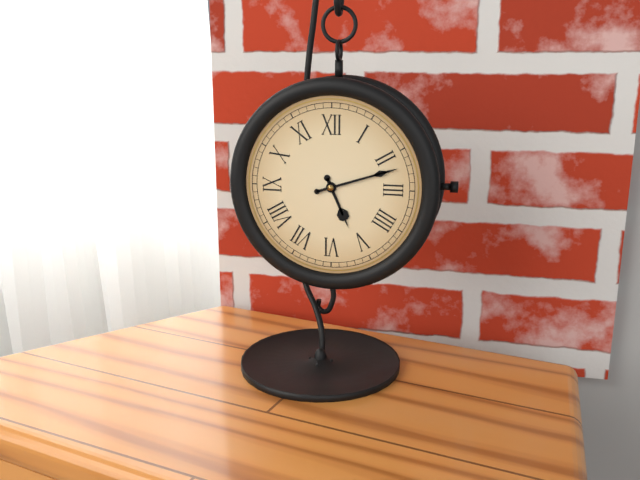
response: 5 h 12 min
